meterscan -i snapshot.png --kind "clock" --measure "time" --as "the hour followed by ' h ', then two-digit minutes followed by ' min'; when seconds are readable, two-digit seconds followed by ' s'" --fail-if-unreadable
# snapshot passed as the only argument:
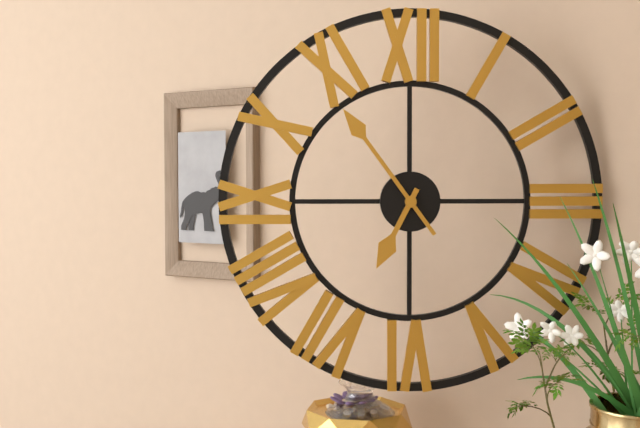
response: 6 h 54 min
